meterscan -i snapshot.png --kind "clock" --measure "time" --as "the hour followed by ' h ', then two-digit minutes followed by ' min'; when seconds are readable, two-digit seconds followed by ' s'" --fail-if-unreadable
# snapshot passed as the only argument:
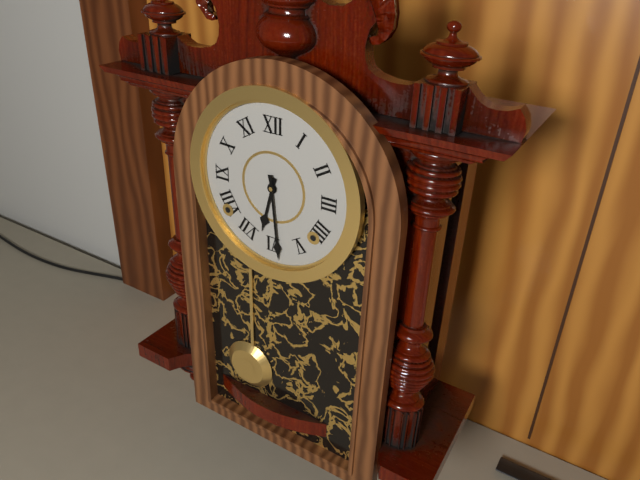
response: 6 h 29 min
